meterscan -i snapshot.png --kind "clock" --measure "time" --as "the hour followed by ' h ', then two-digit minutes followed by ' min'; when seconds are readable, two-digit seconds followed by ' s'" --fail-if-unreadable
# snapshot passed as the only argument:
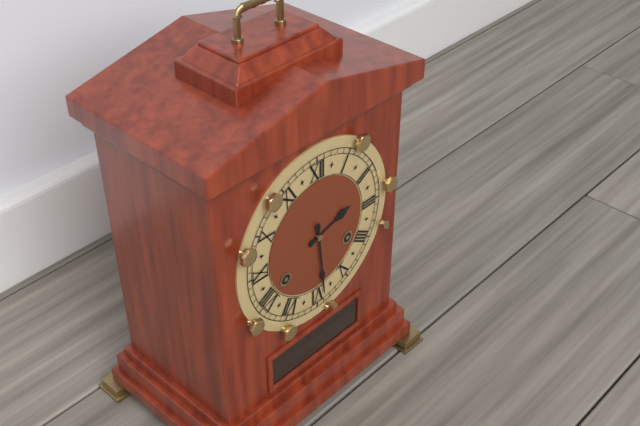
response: 2 h 29 min
